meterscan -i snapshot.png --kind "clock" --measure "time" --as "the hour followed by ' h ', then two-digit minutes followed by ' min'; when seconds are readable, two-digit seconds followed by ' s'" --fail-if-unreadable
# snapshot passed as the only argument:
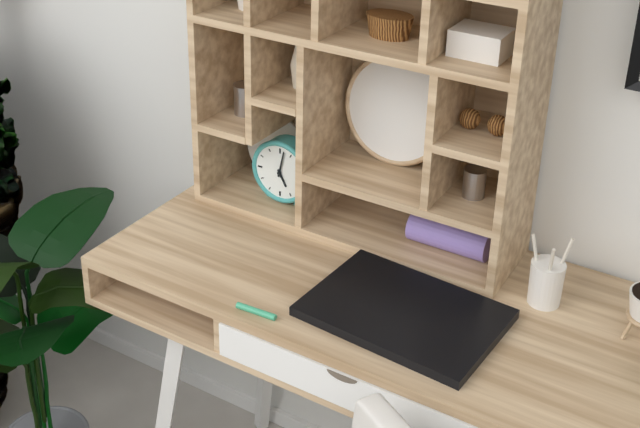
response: 5 h 02 min
